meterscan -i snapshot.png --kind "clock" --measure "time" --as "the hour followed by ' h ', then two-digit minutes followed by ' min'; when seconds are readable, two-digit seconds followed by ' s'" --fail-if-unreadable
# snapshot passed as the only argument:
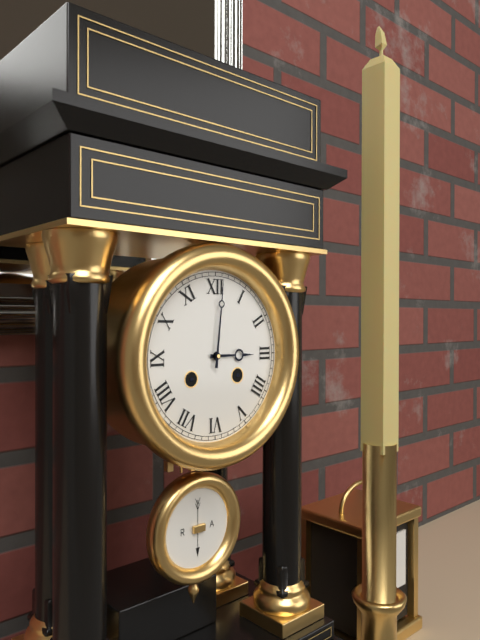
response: 3 h 01 min
